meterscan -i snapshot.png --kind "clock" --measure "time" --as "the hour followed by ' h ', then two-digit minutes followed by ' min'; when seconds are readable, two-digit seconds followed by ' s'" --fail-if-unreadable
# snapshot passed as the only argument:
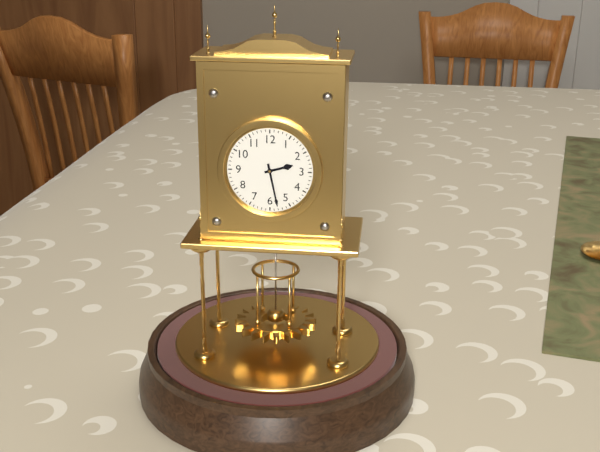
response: 2 h 28 min
